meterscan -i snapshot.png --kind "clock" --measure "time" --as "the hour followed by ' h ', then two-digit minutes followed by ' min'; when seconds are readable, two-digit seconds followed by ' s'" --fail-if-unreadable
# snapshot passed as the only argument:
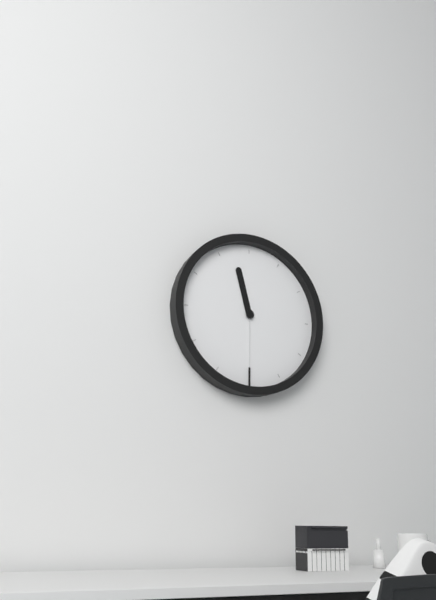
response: 11 h 30 min
